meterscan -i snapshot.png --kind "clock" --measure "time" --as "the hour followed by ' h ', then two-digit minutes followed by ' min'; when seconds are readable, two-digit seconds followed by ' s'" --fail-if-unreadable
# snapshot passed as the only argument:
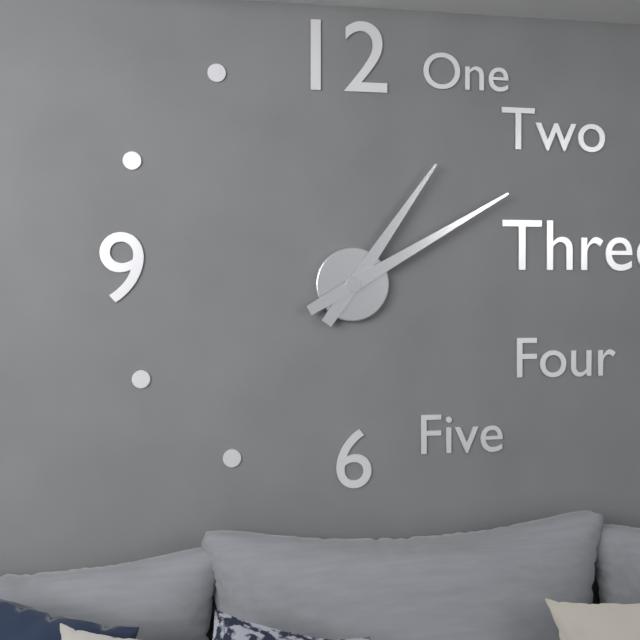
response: 1 h 10 min
